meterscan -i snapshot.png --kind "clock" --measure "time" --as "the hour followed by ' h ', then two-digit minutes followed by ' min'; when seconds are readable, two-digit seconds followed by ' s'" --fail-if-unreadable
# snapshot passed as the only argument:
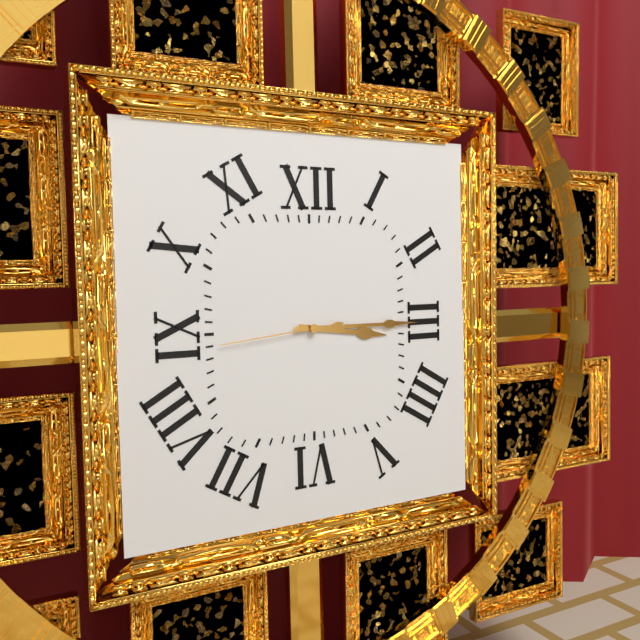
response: 3 h 15 min 44 s
